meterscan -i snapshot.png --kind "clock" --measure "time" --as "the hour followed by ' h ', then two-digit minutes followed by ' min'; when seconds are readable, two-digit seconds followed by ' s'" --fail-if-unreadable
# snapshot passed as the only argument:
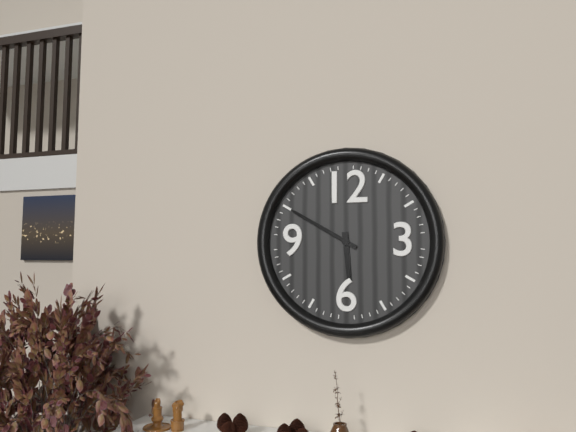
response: 5 h 50 min
